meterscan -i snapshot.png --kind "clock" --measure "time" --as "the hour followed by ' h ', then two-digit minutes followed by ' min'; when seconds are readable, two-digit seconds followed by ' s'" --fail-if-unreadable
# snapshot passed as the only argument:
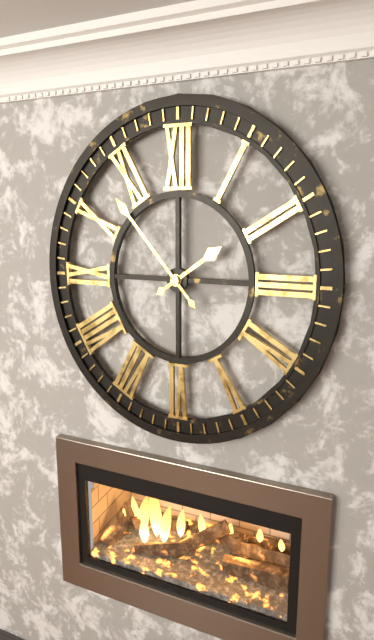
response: 1 h 53 min
